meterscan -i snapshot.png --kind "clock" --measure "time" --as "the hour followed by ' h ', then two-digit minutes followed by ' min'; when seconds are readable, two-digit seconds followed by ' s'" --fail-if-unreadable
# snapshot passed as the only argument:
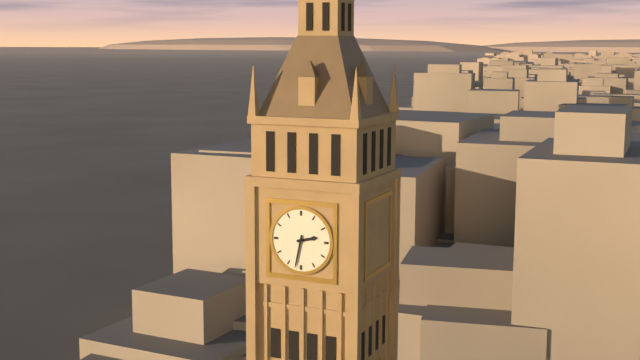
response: 2 h 32 min
